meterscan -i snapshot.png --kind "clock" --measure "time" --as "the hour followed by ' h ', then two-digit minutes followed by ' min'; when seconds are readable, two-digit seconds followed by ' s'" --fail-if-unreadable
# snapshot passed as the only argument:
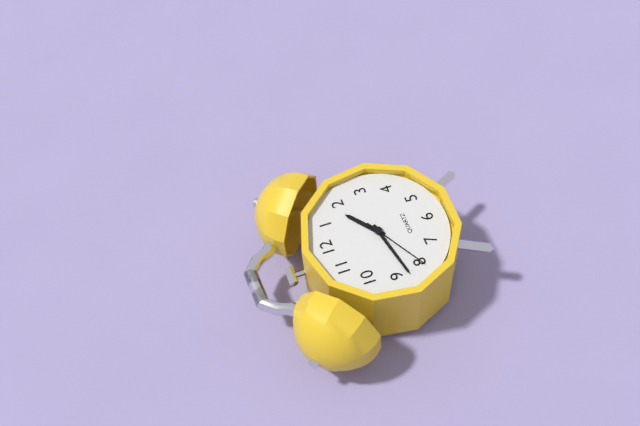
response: 1 h 43 min 40 s
